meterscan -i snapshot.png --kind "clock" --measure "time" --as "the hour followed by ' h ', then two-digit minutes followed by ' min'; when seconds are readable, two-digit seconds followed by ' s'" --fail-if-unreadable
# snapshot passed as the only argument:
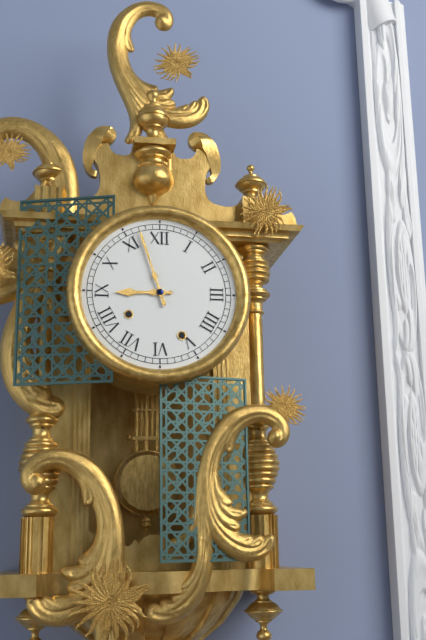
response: 8 h 57 min
